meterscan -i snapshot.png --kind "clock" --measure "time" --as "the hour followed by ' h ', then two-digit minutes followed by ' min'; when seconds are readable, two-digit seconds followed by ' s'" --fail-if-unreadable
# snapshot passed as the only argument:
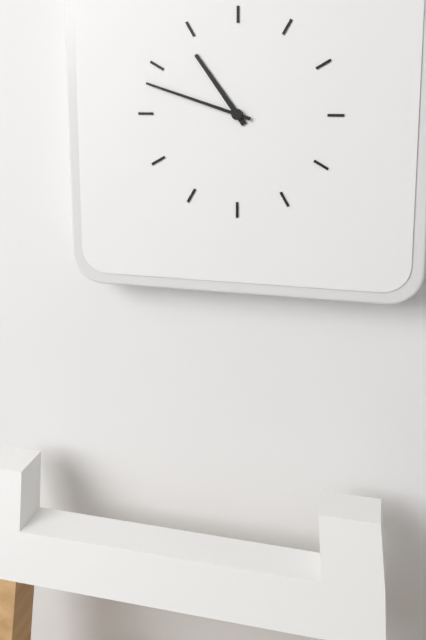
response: 10 h 48 min
